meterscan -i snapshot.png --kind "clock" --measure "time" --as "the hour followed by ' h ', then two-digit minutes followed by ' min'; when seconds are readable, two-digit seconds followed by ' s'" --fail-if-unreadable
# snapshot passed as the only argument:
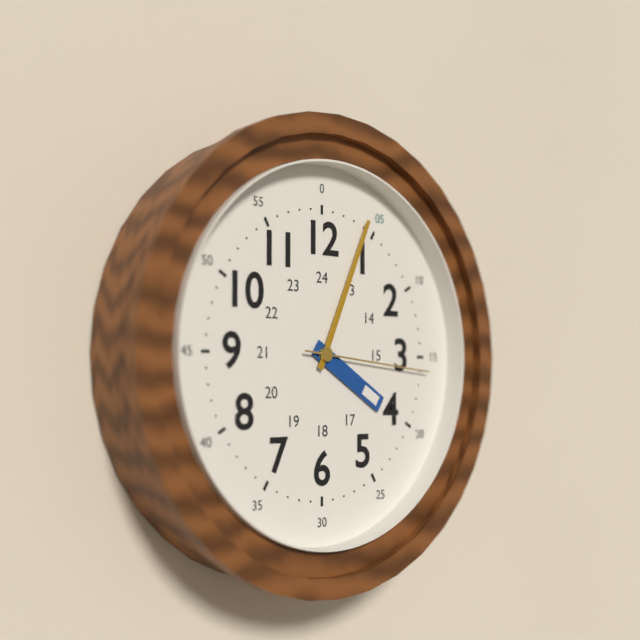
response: 4 h 04 min 16 s
